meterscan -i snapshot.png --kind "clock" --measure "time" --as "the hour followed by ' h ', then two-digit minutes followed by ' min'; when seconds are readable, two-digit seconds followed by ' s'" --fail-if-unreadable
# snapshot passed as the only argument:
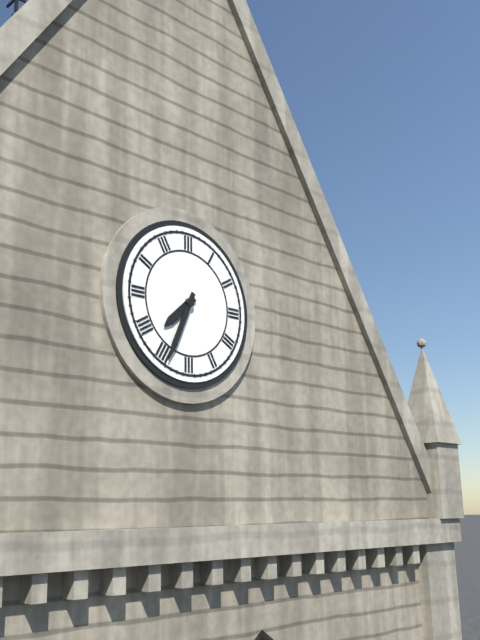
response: 7 h 34 min
